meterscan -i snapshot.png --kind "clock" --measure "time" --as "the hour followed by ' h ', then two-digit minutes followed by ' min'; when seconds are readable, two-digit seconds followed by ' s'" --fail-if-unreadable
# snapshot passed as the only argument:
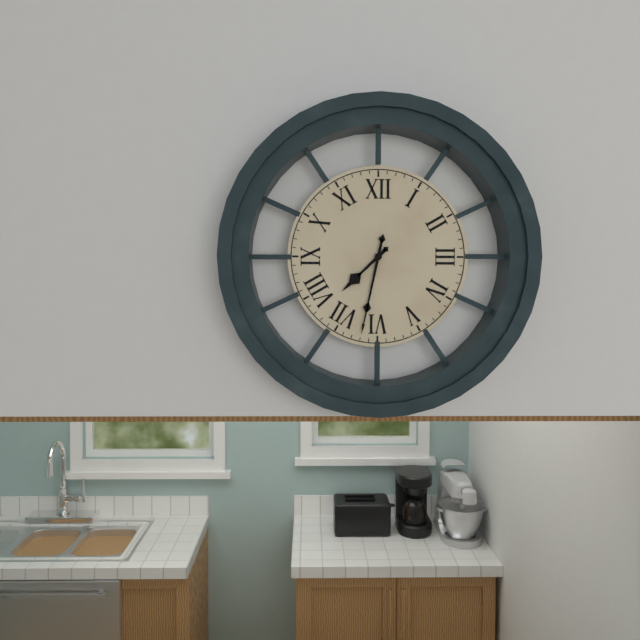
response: 7 h 32 min
